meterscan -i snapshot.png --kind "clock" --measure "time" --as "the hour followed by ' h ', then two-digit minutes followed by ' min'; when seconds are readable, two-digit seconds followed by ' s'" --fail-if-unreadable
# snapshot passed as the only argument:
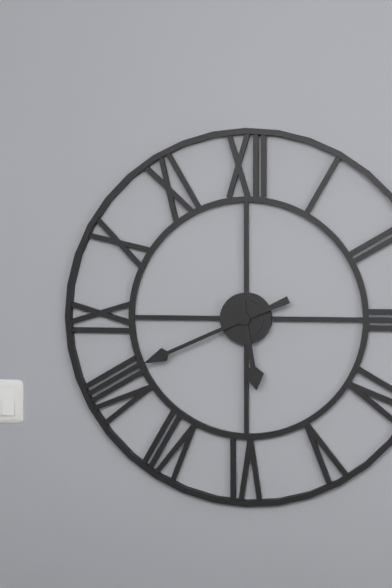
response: 5 h 41 min
